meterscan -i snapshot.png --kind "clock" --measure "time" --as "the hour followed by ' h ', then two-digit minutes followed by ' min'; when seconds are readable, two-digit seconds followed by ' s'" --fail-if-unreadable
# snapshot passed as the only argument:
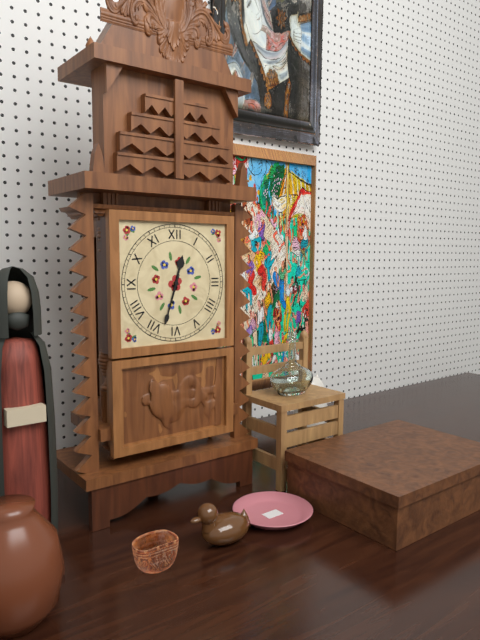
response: 12 h 33 min
